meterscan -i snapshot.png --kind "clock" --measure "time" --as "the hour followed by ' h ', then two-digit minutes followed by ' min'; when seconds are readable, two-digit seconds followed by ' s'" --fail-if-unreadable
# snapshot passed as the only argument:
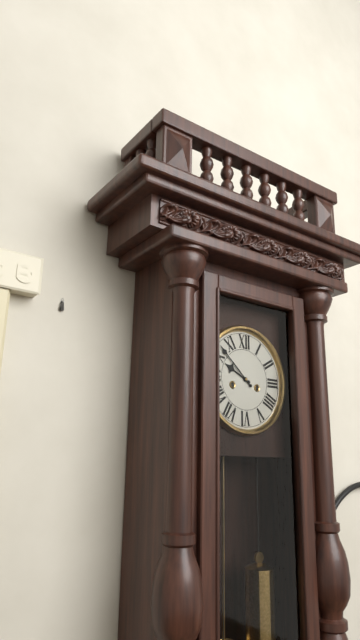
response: 9 h 52 min
